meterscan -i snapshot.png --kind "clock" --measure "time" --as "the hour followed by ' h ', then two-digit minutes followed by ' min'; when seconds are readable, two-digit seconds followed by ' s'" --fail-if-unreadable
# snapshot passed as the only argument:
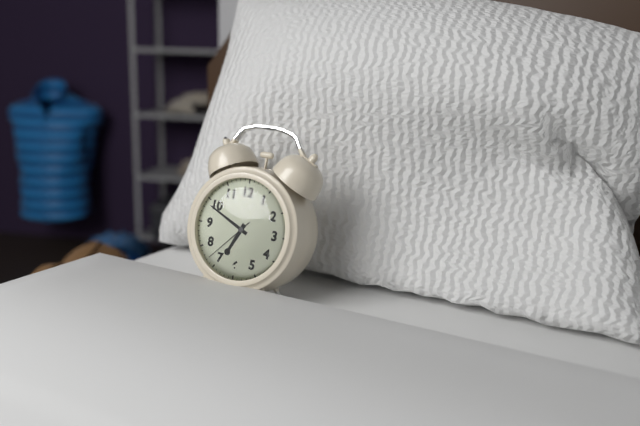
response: 6 h 49 min 37 s
